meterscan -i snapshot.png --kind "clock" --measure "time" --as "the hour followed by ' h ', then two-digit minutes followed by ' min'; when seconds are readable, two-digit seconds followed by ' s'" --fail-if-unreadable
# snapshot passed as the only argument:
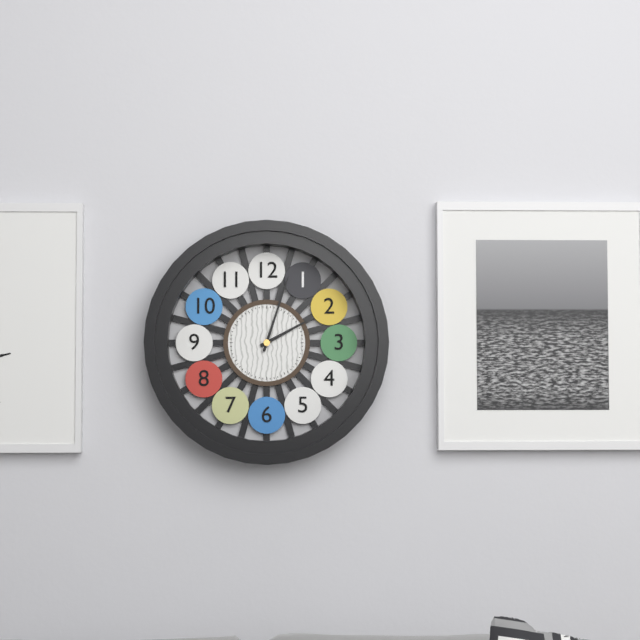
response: 2 h 03 min
